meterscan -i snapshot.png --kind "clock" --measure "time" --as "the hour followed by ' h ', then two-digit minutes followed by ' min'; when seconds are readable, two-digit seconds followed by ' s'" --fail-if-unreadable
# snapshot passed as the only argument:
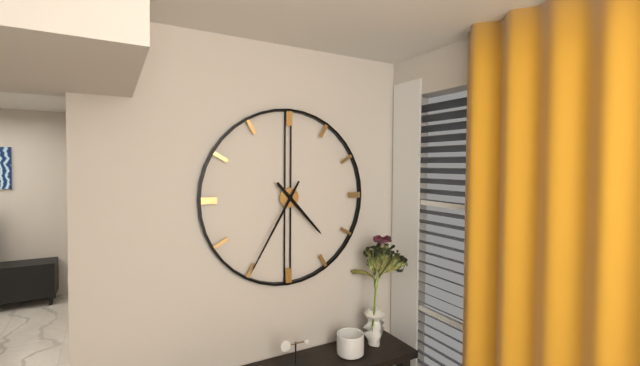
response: 4 h 35 min
